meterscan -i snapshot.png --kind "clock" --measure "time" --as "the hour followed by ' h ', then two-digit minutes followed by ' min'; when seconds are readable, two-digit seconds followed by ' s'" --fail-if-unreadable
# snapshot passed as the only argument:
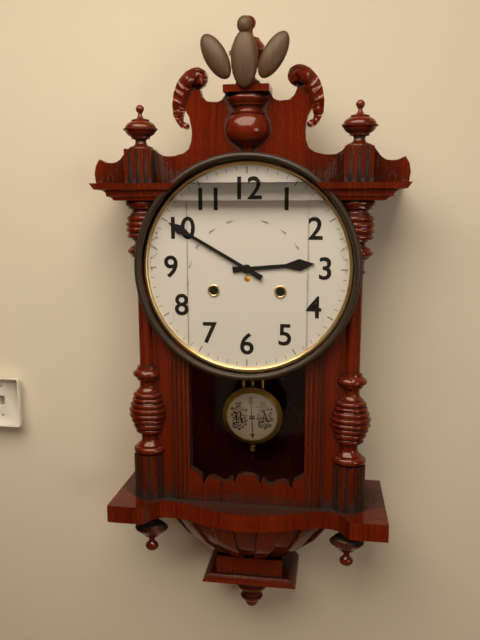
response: 2 h 50 min
